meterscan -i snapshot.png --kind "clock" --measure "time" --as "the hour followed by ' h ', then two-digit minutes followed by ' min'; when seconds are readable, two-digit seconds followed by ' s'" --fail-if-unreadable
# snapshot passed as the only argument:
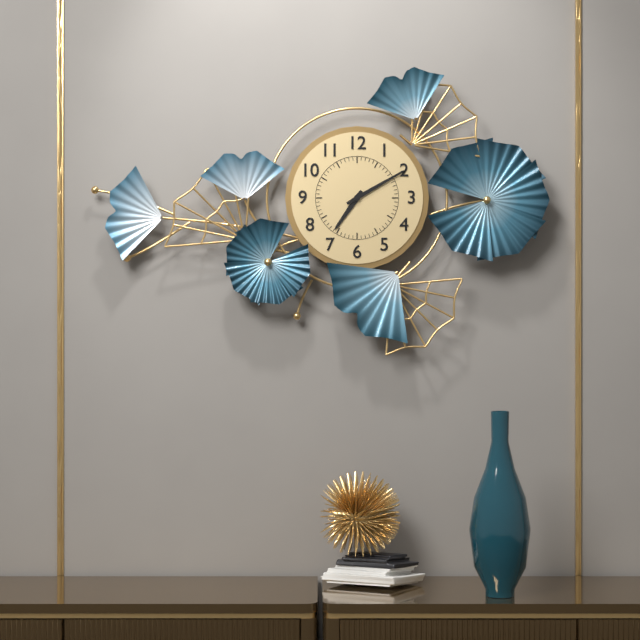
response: 7 h 10 min
